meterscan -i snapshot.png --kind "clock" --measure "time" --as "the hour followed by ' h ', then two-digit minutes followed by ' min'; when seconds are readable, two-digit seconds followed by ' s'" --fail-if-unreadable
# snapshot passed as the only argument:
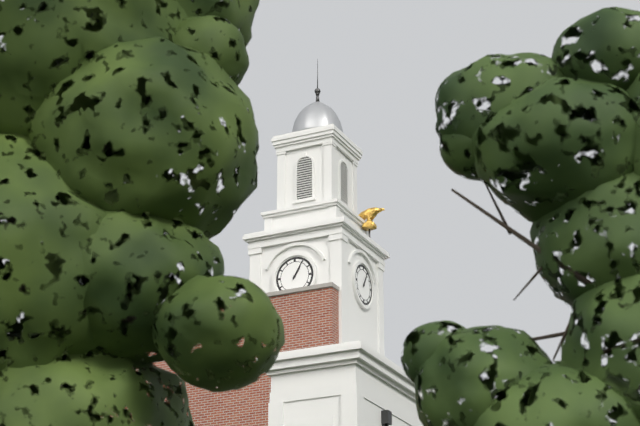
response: 1 h 05 min
